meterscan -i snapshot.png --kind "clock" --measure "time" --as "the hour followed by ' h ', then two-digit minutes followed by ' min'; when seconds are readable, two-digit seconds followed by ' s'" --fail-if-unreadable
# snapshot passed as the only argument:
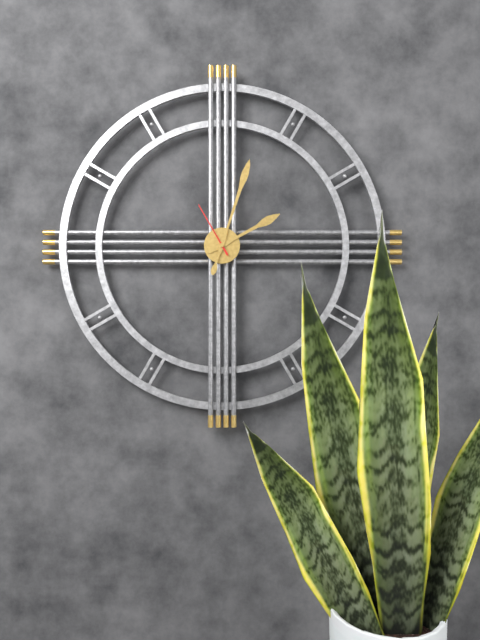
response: 2 h 03 min 55 s
